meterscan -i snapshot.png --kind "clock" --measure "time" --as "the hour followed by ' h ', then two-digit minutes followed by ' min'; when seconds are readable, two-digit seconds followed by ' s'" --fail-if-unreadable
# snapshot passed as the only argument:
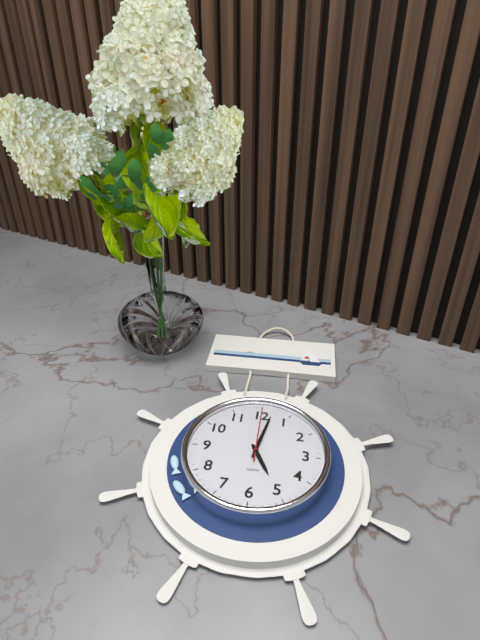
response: 5 h 02 min 00 s
